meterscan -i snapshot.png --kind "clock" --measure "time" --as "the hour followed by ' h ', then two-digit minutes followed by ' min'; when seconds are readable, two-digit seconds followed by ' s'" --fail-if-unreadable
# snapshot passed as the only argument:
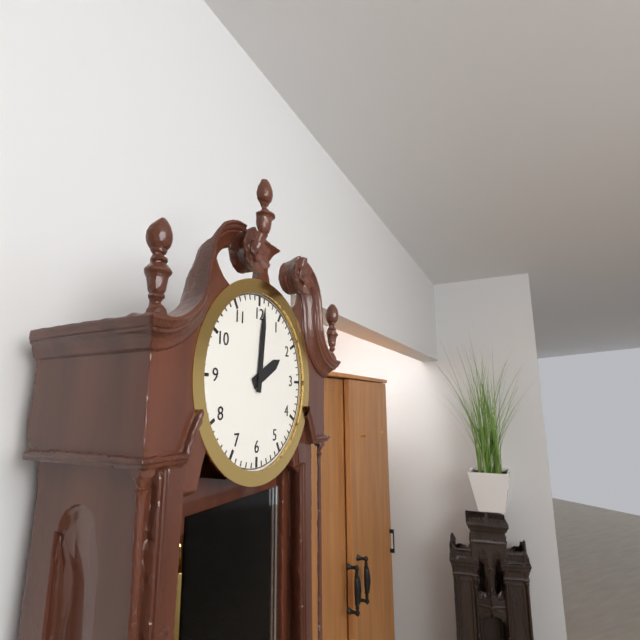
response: 2 h 01 min
